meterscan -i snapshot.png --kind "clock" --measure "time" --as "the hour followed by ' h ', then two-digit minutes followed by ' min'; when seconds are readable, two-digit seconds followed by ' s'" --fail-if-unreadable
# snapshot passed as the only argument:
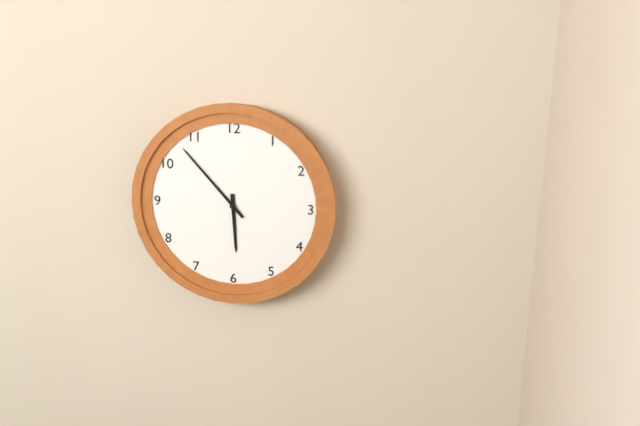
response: 5 h 53 min
